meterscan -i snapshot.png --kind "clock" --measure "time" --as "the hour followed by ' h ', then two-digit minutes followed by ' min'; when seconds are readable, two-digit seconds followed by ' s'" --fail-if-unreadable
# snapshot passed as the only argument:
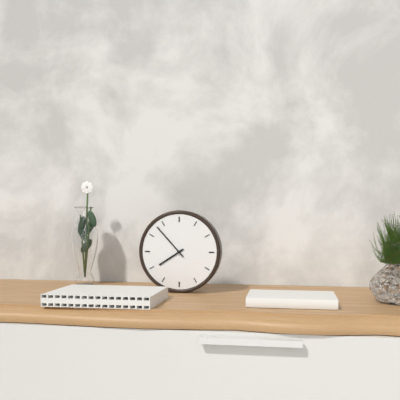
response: 7 h 53 min
